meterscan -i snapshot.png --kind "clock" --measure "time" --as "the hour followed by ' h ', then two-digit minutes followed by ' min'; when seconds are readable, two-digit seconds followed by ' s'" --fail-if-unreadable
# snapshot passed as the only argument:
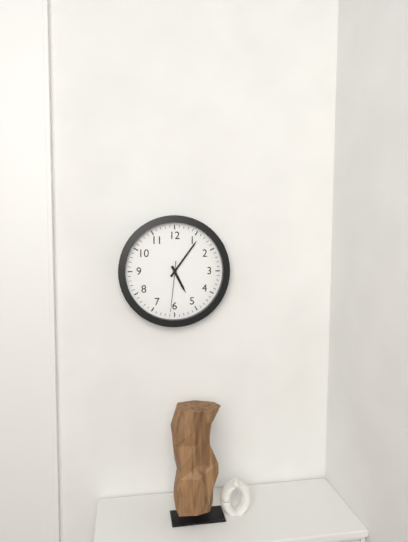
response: 5 h 06 min 31 s
